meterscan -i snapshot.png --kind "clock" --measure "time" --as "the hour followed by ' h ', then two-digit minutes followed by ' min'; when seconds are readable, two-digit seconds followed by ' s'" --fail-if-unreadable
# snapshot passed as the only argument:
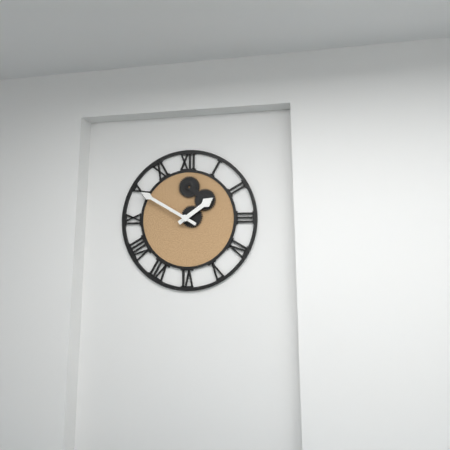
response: 1 h 50 min
